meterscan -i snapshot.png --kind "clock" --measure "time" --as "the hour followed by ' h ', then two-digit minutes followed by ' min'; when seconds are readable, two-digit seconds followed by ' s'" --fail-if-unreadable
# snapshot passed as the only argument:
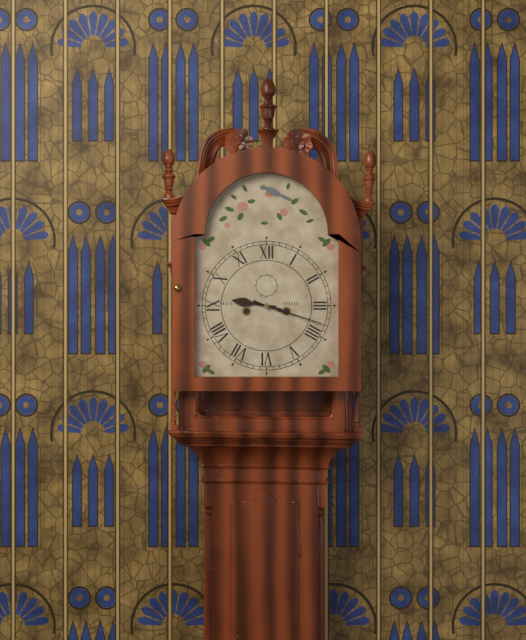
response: 9 h 18 min
